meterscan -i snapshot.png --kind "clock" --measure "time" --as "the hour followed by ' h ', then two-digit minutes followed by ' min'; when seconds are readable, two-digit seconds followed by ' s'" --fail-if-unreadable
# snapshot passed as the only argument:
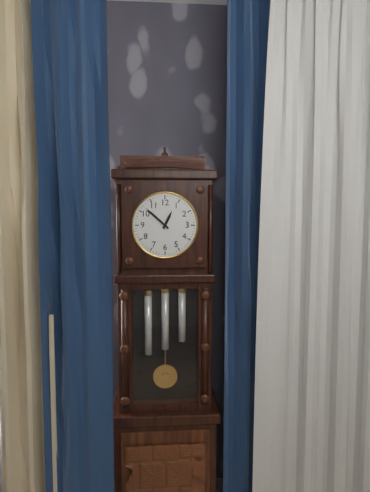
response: 12 h 52 min
